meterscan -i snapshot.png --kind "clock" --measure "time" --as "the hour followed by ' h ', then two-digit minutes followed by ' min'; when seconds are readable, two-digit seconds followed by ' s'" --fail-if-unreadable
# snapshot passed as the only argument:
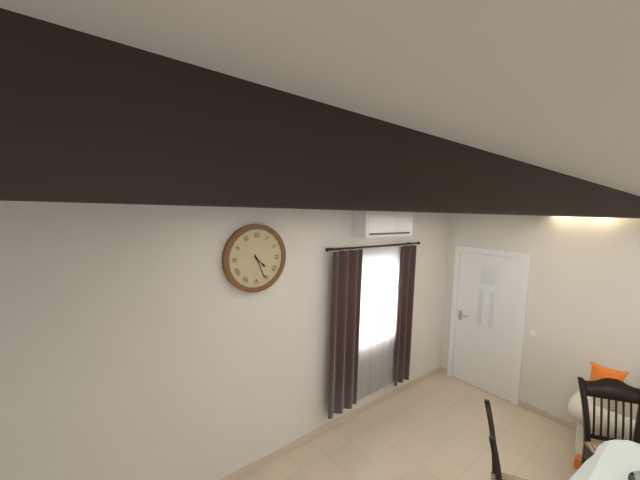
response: 4 h 26 min
